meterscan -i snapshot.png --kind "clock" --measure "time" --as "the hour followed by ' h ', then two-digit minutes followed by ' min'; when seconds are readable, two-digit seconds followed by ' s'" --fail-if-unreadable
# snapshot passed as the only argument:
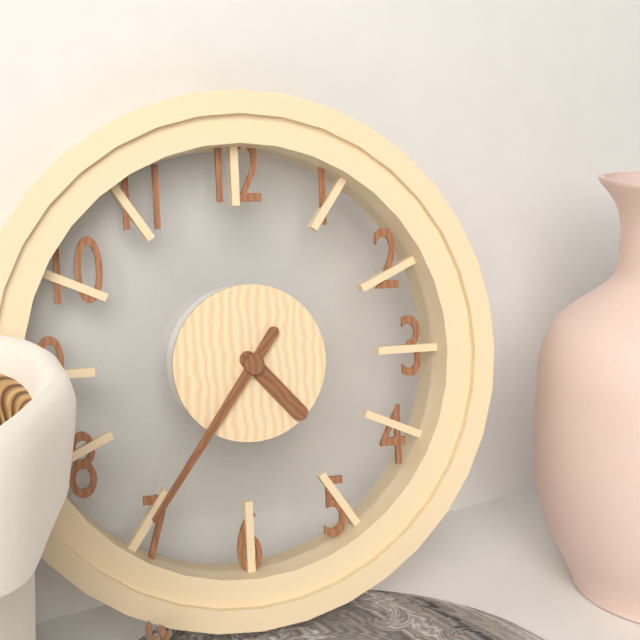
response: 4 h 36 min
